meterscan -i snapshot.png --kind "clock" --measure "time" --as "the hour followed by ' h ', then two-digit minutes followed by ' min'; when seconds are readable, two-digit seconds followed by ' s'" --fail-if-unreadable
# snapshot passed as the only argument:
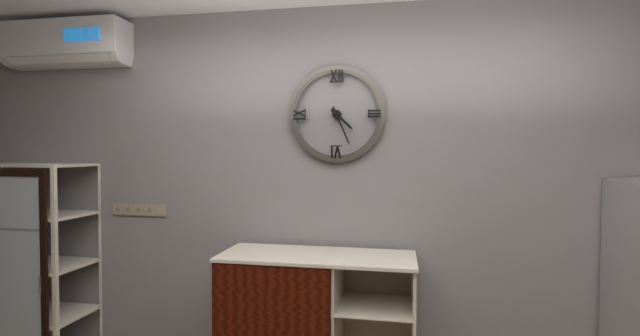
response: 4 h 26 min
